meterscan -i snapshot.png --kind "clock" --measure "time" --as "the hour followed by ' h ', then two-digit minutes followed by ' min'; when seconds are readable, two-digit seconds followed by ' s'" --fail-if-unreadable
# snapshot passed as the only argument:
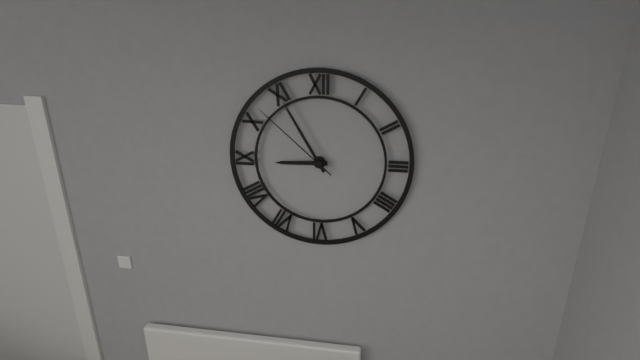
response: 8 h 55 min 52 s
